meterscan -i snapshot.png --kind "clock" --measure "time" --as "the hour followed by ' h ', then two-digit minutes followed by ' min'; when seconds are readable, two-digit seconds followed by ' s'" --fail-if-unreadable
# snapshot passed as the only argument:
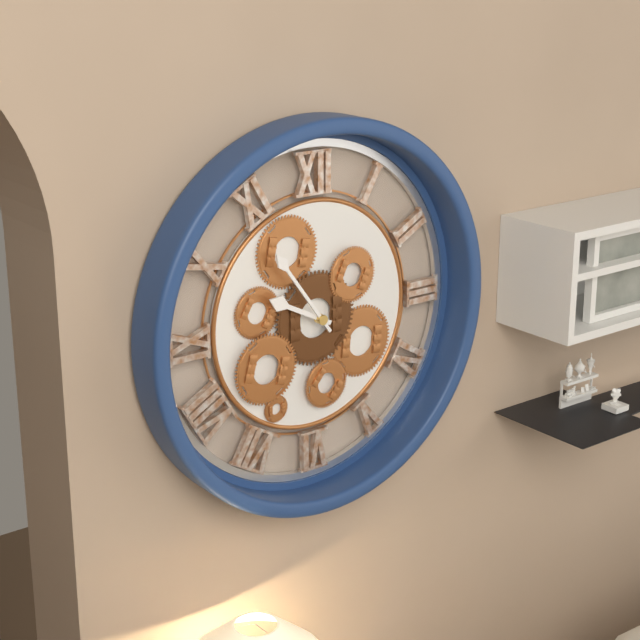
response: 9 h 54 min
